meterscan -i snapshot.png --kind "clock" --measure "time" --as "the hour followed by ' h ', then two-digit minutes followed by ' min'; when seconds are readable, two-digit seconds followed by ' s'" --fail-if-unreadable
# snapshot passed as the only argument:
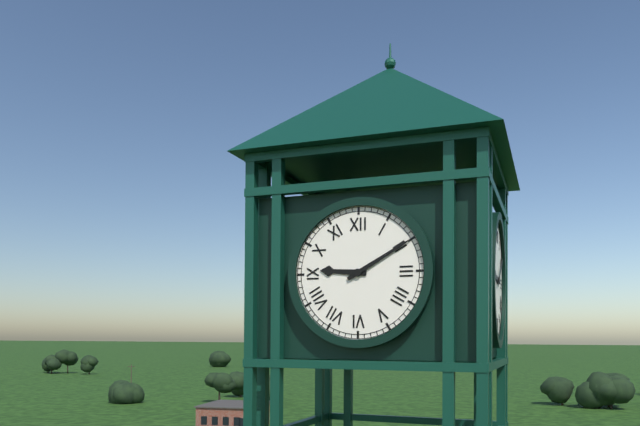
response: 9 h 10 min
